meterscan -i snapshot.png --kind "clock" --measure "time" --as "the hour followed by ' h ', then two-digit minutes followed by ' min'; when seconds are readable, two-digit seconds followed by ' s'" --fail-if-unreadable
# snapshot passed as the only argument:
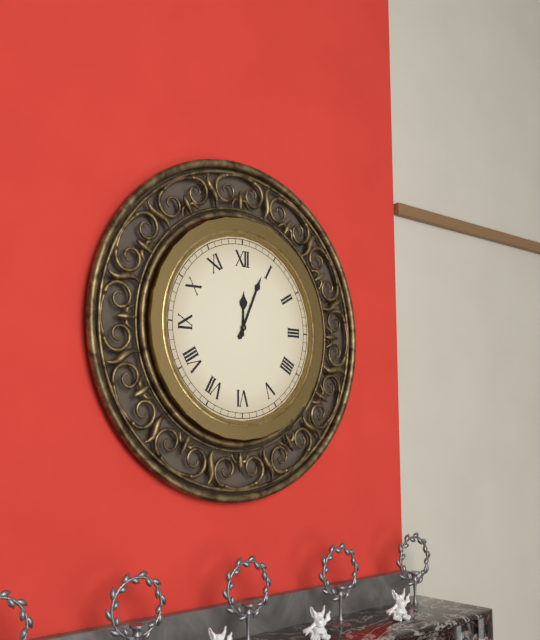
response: 12 h 04 min
